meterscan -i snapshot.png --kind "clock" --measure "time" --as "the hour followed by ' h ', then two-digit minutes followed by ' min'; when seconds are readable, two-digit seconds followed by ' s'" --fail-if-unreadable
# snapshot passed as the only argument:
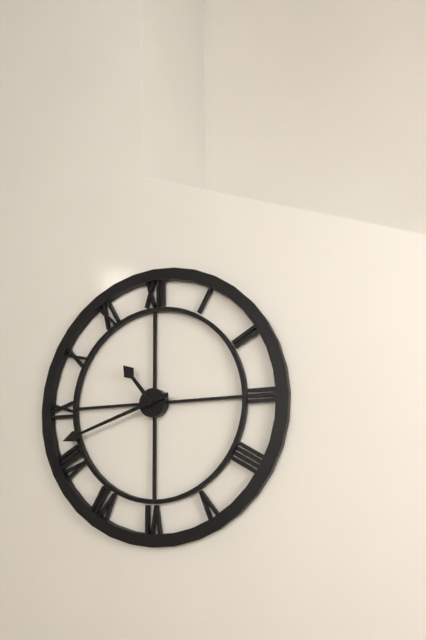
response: 10 h 42 min
